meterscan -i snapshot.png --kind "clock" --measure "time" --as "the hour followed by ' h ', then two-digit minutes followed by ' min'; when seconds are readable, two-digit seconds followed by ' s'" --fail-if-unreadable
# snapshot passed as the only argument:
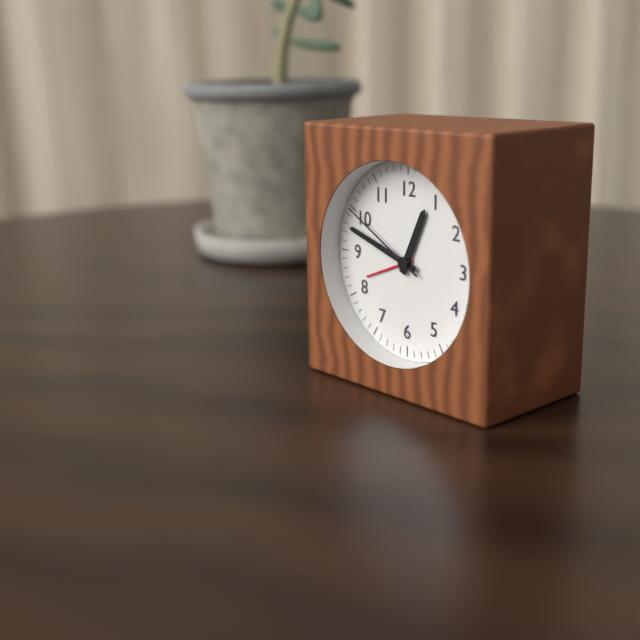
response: 12 h 48 min 50 s
